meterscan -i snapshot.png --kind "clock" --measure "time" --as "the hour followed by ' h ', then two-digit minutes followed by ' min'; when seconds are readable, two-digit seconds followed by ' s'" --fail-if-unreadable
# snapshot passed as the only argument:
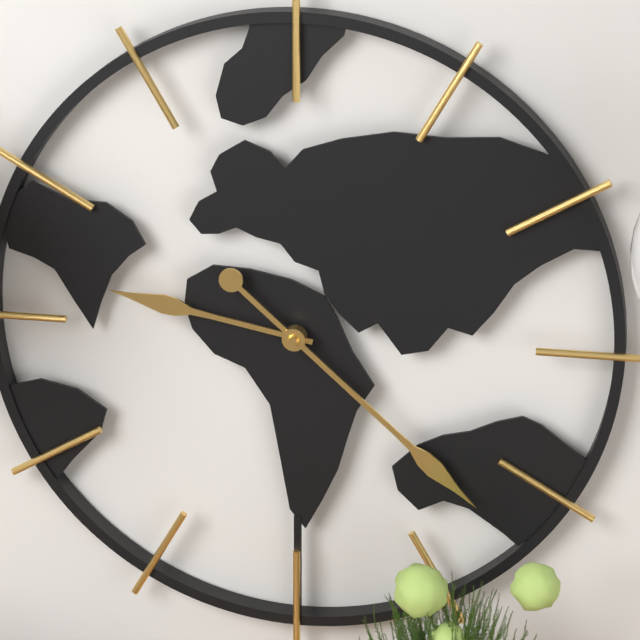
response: 9 h 22 min
